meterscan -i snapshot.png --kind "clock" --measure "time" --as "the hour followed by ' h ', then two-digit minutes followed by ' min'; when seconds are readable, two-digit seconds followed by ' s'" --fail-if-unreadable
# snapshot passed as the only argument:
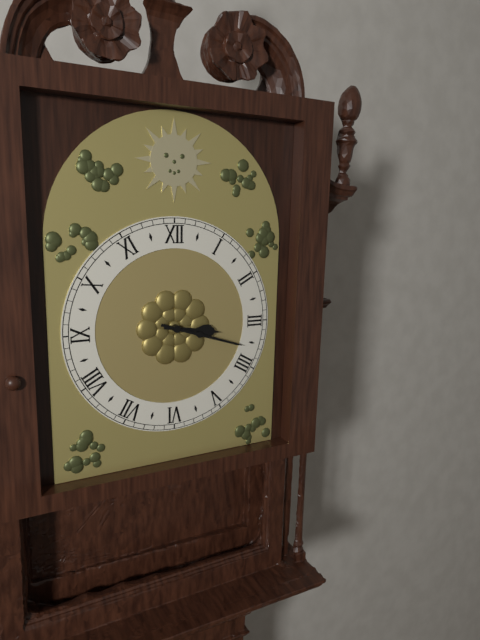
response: 3 h 18 min
